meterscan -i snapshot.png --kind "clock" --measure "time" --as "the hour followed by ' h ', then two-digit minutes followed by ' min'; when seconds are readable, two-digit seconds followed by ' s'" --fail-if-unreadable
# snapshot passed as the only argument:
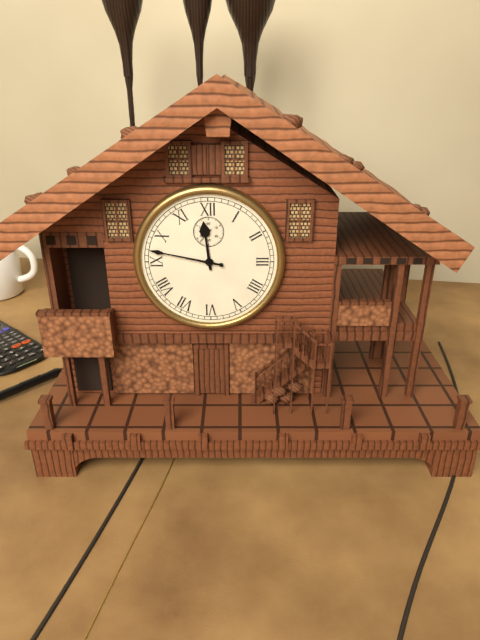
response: 11 h 47 min
